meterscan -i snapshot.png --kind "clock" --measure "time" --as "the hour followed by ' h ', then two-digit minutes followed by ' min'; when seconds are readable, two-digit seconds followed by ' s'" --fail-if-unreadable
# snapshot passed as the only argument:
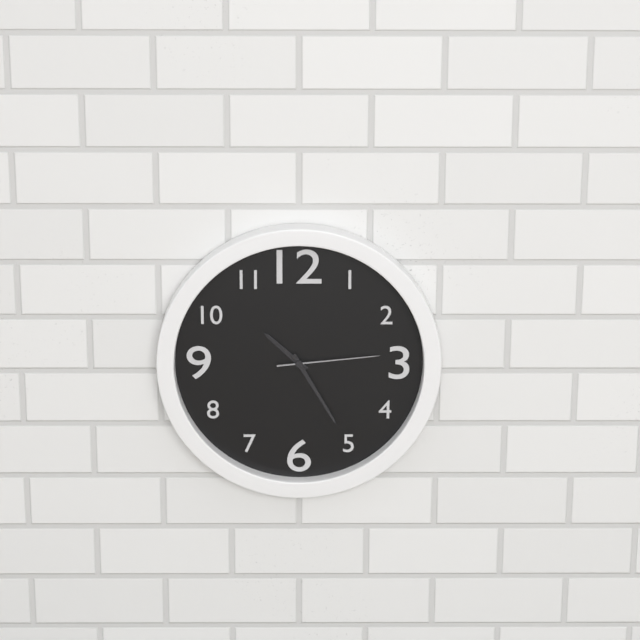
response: 10 h 25 min 14 s
